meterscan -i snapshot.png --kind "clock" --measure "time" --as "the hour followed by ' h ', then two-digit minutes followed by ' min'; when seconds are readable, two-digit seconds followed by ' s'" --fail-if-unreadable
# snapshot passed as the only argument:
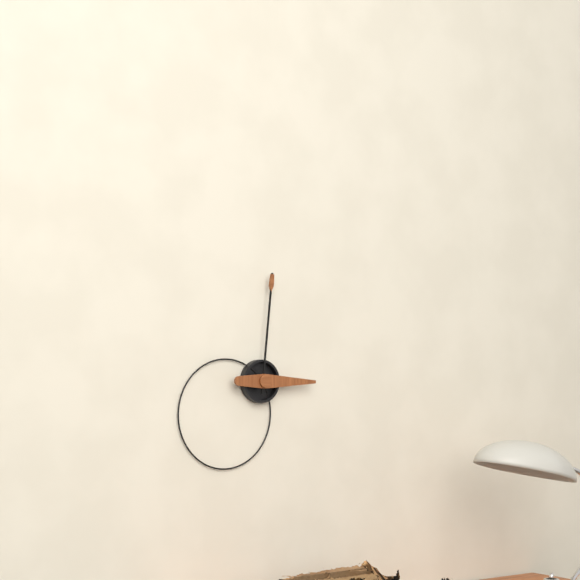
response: 3 h 01 min
